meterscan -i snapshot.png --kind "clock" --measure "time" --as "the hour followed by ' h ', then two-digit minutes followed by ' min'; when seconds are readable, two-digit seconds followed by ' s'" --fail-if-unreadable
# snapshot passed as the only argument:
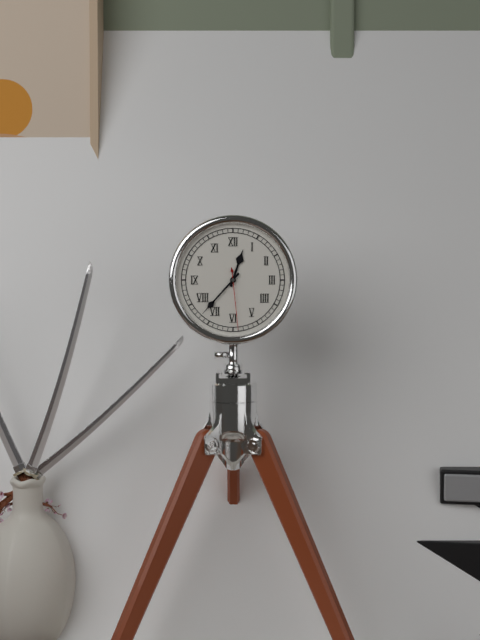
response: 12 h 37 min 29 s
